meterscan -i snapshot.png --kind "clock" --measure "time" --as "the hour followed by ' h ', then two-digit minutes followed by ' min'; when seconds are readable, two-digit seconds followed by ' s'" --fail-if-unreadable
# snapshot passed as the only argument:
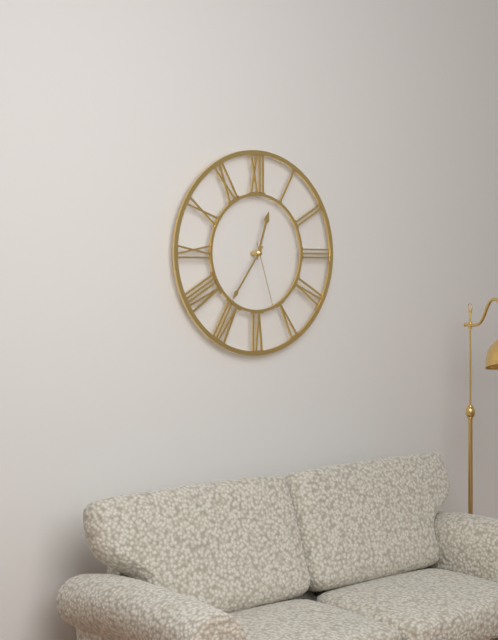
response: 12 h 36 min 27 s
